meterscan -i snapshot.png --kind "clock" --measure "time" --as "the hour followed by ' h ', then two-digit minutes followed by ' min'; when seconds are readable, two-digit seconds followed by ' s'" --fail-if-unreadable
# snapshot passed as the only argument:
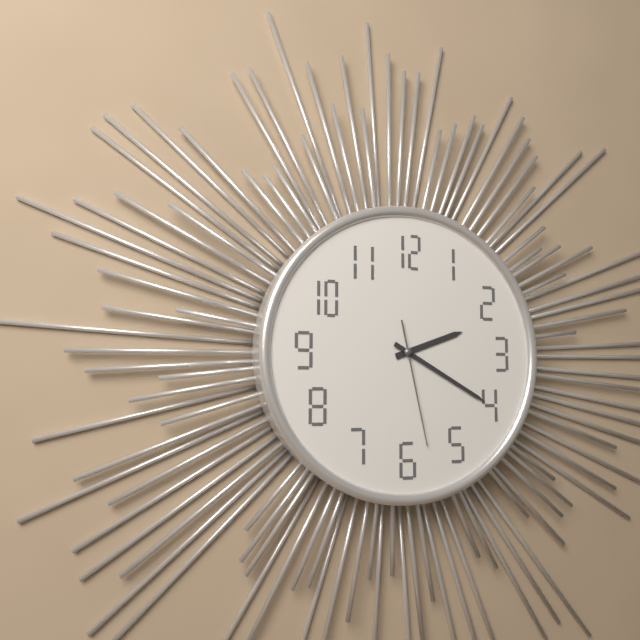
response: 2 h 20 min 28 s
